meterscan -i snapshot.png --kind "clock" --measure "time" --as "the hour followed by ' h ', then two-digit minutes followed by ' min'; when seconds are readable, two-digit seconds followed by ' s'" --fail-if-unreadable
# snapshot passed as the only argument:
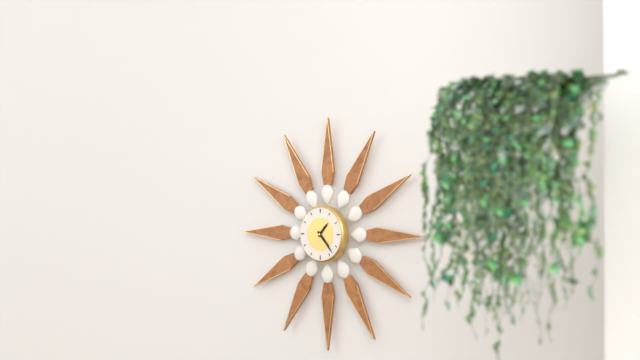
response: 1 h 23 min
